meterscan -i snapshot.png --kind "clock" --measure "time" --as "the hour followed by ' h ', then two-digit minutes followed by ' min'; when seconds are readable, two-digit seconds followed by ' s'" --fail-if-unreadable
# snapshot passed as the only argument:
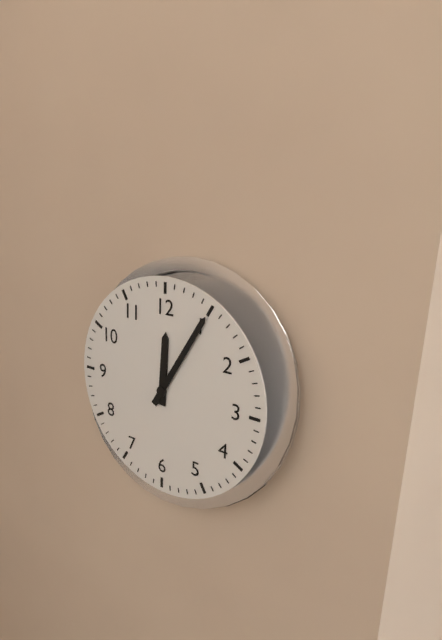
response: 12 h 05 min
